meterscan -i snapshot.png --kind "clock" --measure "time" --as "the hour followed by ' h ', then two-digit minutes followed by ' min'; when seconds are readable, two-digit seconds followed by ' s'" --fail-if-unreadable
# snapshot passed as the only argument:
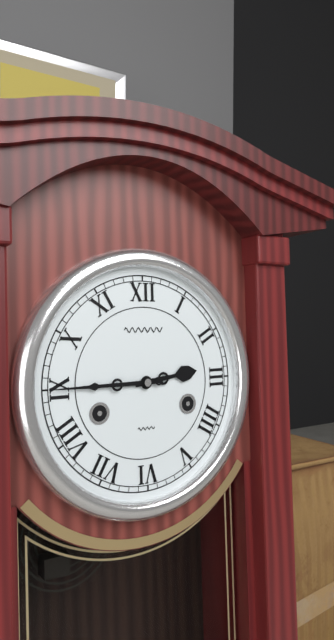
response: 2 h 45 min
